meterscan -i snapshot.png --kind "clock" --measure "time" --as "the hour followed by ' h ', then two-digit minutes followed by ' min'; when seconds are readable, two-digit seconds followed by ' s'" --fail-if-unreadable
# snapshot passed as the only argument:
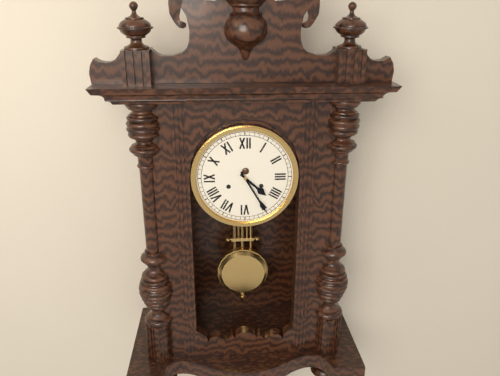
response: 4 h 25 min
